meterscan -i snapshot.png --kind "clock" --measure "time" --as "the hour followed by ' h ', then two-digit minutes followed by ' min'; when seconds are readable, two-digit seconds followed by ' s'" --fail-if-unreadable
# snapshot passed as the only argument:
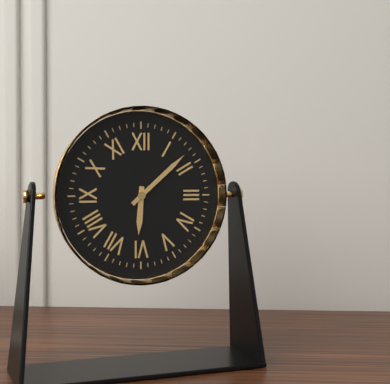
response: 6 h 08 min
